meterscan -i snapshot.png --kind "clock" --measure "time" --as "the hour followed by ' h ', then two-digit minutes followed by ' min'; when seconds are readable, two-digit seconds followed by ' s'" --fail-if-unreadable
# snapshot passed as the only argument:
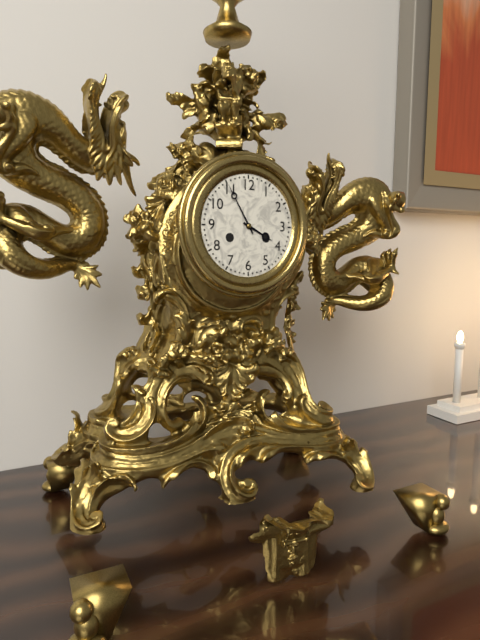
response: 3 h 55 min
